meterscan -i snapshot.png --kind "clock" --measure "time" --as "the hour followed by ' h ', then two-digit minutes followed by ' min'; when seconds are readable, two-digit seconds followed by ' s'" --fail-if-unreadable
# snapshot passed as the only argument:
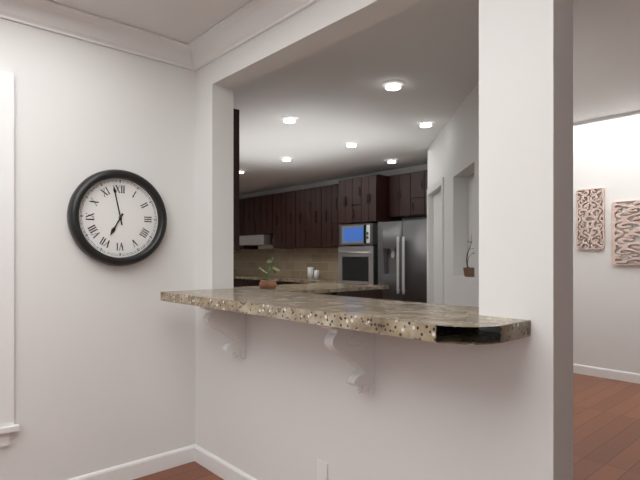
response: 6 h 58 min
